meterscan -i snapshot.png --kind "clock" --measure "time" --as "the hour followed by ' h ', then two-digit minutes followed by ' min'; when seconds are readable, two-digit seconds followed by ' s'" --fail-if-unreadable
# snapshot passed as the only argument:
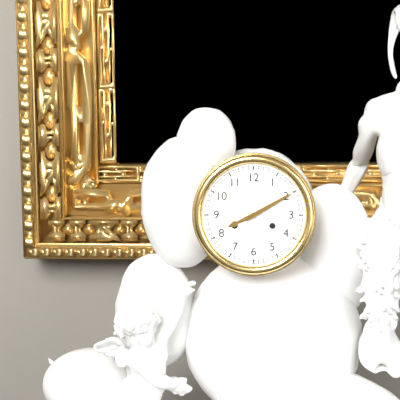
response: 8 h 10 min
